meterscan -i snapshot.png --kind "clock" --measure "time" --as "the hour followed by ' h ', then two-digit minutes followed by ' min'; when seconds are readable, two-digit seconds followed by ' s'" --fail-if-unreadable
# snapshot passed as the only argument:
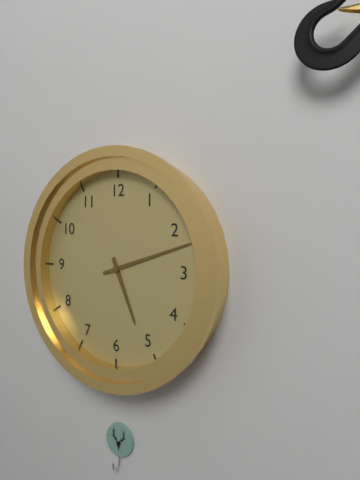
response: 5 h 12 min
